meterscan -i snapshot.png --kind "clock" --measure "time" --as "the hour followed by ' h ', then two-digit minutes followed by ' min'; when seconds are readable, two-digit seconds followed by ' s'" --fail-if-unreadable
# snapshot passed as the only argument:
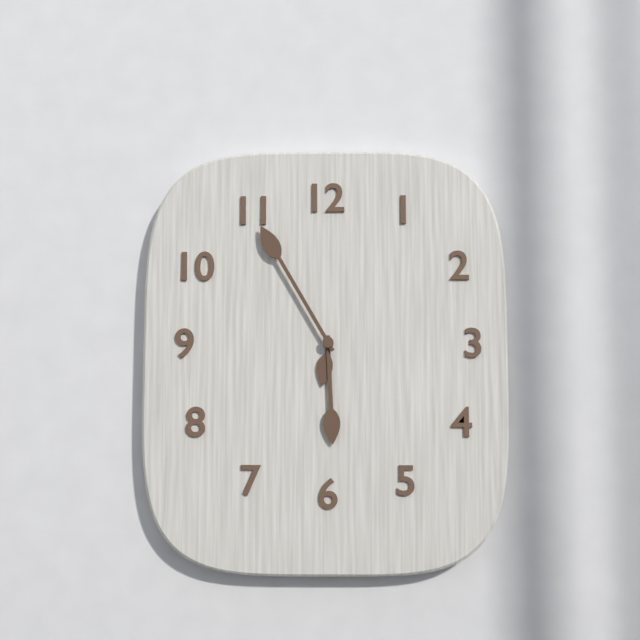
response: 5 h 55 min
